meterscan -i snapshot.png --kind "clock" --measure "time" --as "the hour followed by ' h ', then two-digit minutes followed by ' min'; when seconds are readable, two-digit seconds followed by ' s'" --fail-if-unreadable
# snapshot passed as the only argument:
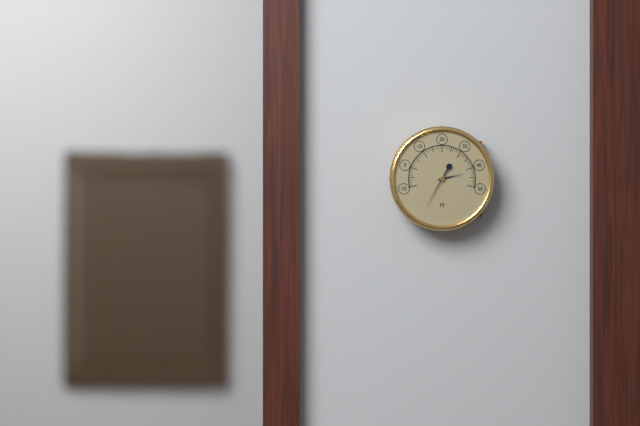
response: 2 h 35 min
